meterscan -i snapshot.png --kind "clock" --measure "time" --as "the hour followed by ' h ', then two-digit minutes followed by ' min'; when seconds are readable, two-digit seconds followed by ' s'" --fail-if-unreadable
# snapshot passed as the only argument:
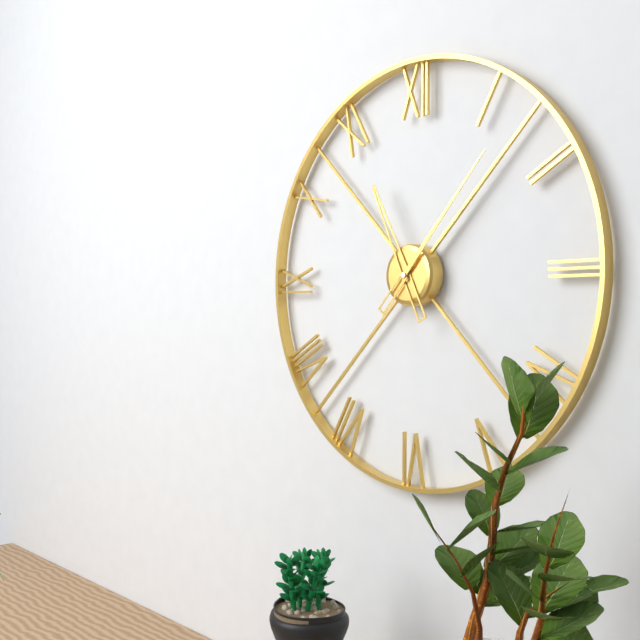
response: 11 h 07 min
